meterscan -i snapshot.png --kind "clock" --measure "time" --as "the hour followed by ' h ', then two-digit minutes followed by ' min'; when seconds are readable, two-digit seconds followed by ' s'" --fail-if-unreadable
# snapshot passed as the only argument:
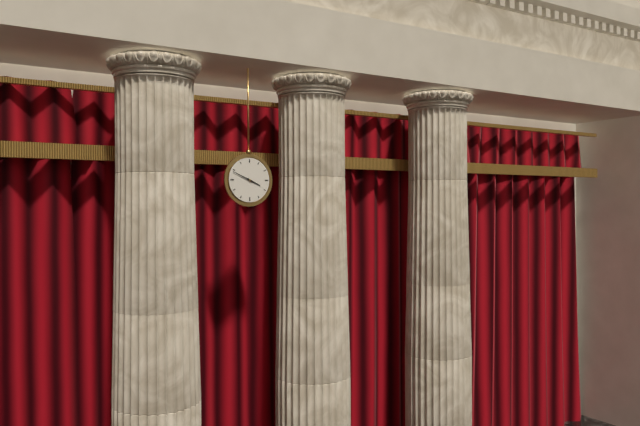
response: 3 h 49 min
